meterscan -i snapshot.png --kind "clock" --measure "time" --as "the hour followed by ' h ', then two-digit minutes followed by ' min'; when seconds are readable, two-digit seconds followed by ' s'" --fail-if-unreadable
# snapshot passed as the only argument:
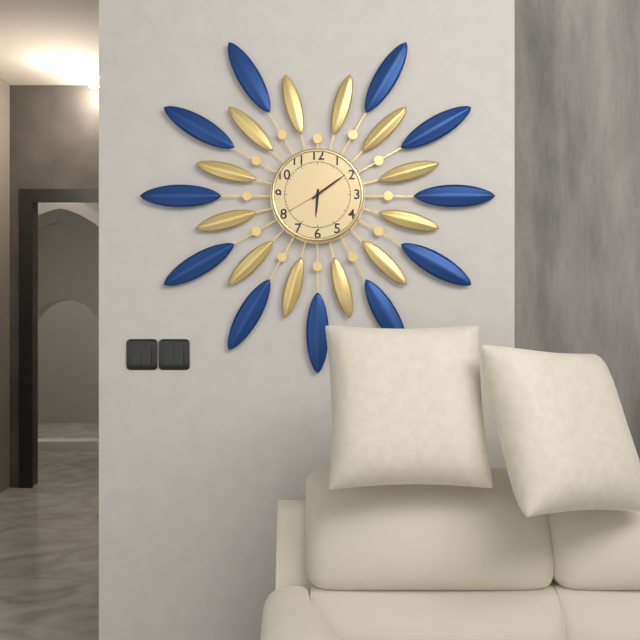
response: 6 h 09 min
